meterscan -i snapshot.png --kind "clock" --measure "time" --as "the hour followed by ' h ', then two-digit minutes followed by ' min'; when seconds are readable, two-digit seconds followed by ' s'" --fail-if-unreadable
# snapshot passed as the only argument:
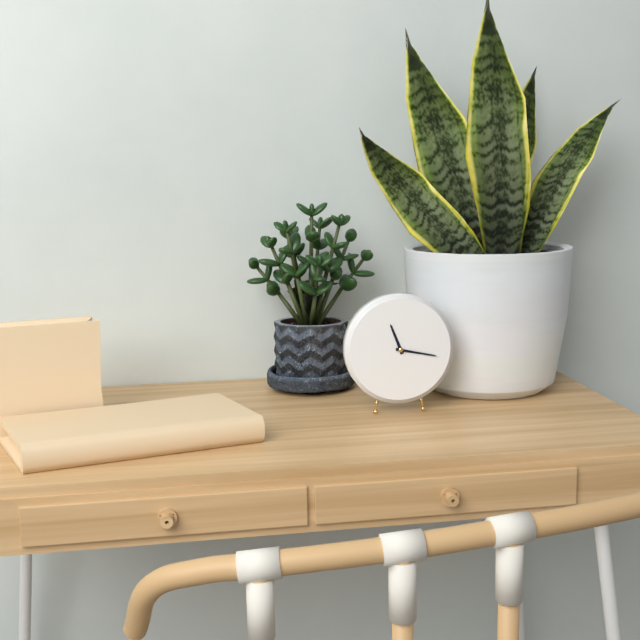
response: 11 h 17 min
